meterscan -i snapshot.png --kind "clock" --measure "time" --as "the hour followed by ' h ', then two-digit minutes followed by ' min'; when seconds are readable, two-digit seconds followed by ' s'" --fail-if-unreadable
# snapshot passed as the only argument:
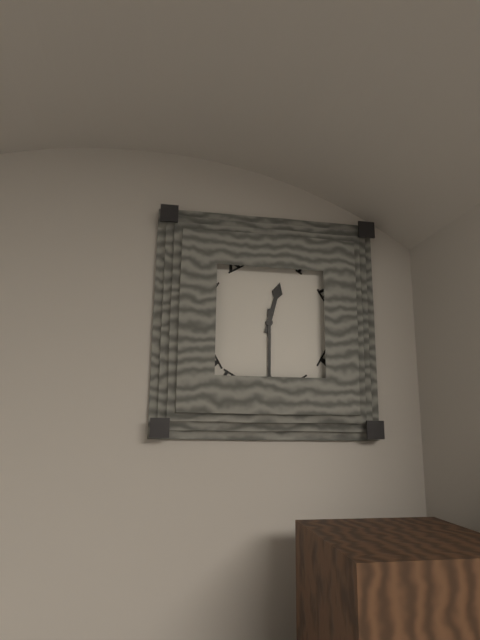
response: 12 h 30 min
